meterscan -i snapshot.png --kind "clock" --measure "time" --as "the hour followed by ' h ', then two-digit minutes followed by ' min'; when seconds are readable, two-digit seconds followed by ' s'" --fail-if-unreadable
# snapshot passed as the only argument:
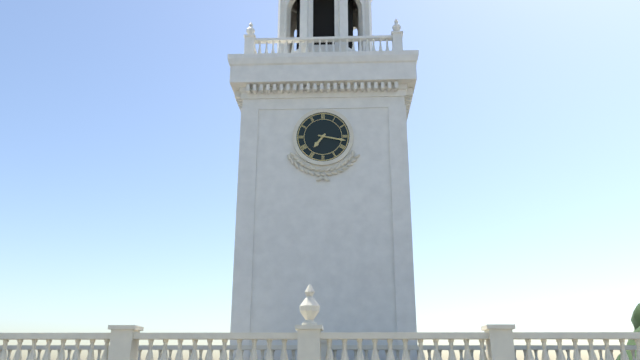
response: 7 h 17 min
